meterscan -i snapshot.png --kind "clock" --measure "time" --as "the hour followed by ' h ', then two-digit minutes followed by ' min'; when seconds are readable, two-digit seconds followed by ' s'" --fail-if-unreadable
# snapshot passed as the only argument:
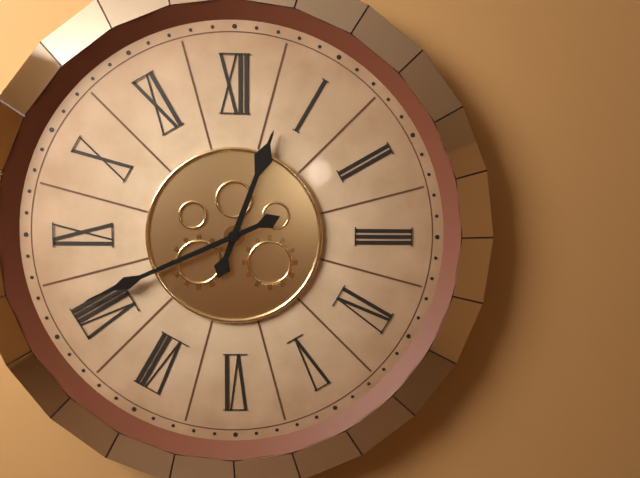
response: 12 h 41 min
